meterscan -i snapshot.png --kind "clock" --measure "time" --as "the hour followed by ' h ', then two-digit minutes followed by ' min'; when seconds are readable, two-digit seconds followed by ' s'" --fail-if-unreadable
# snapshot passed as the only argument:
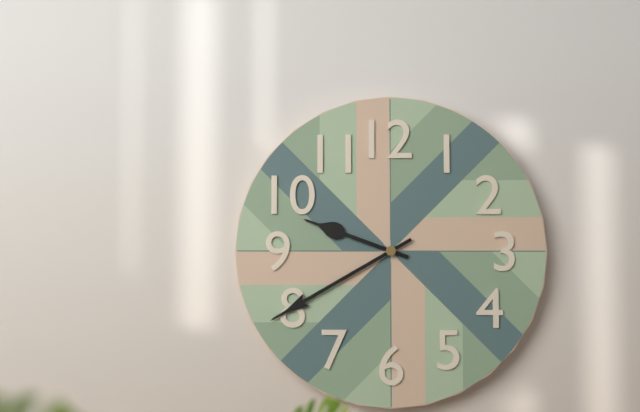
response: 9 h 40 min
